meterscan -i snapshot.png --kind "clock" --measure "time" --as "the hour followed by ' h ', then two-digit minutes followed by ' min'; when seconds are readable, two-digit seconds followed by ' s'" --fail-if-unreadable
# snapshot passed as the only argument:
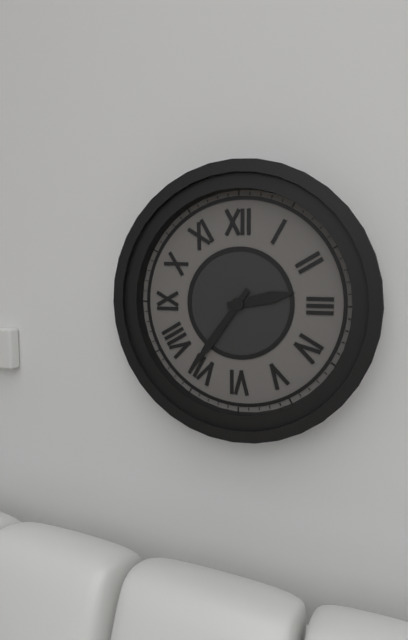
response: 2 h 36 min
